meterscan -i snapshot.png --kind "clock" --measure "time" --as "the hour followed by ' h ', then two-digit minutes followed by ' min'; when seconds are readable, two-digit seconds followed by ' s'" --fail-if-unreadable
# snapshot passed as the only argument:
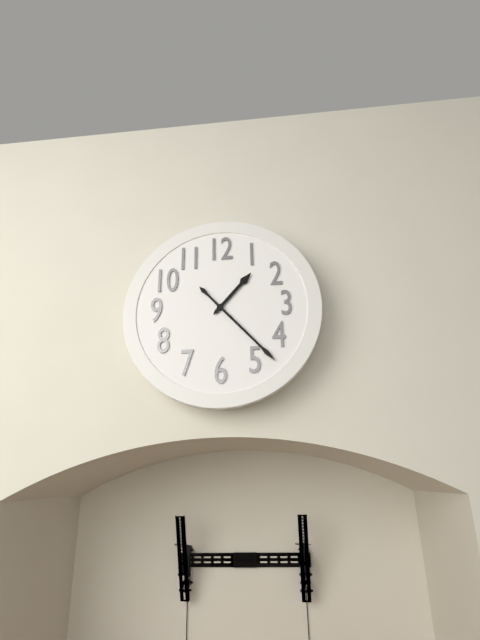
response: 1 h 23 min
